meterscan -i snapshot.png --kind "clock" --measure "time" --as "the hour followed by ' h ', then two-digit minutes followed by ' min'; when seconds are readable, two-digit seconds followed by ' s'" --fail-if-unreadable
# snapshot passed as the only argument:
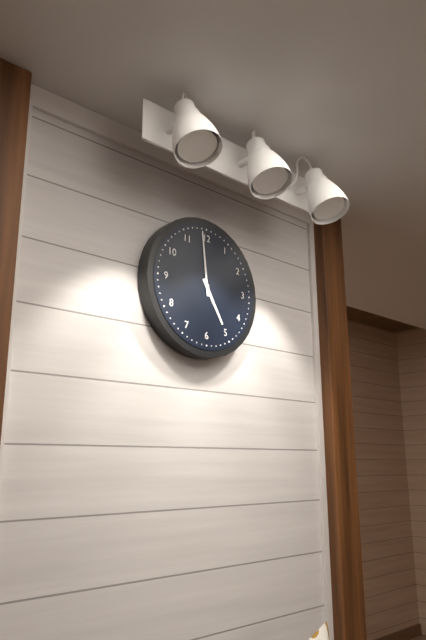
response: 4 h 59 min
